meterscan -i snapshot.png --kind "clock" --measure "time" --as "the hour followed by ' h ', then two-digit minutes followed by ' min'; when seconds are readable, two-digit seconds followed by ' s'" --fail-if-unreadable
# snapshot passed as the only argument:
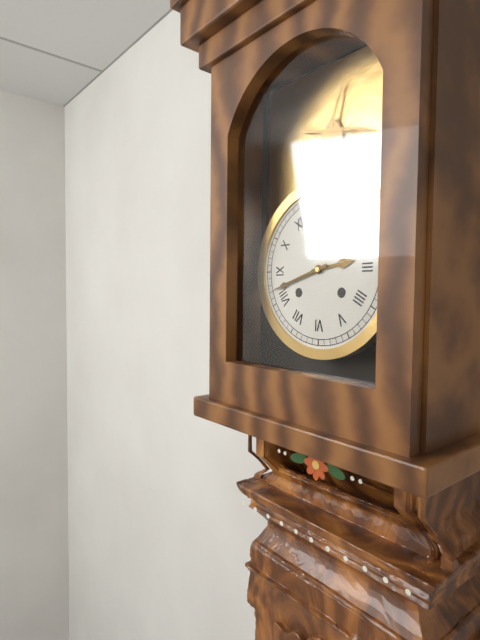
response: 2 h 42 min
